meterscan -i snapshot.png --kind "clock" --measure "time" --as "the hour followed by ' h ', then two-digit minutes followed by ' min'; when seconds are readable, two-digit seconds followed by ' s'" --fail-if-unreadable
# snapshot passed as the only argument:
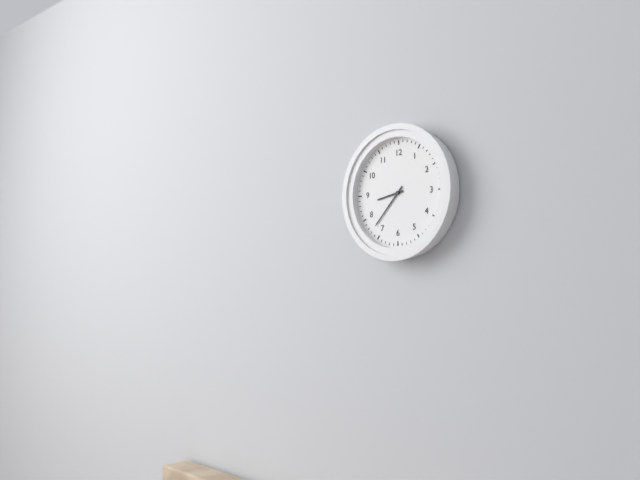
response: 8 h 37 min
